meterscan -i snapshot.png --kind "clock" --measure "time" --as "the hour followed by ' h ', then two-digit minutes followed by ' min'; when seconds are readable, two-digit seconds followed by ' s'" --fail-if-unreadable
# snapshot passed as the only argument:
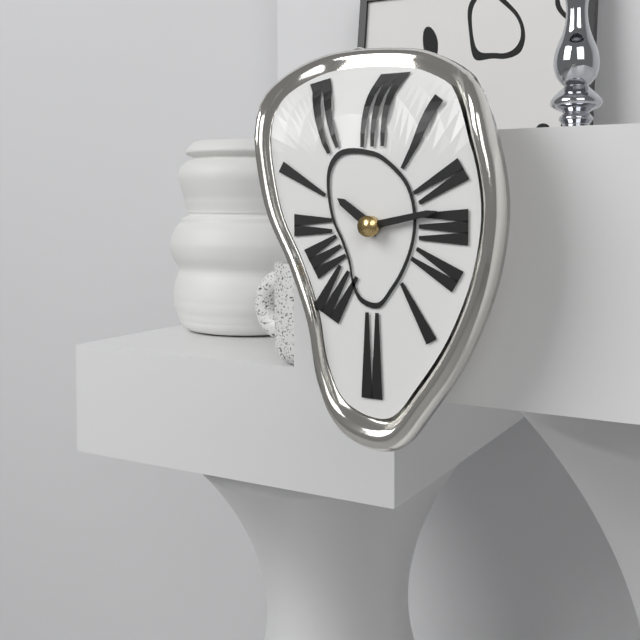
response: 10 h 13 min
